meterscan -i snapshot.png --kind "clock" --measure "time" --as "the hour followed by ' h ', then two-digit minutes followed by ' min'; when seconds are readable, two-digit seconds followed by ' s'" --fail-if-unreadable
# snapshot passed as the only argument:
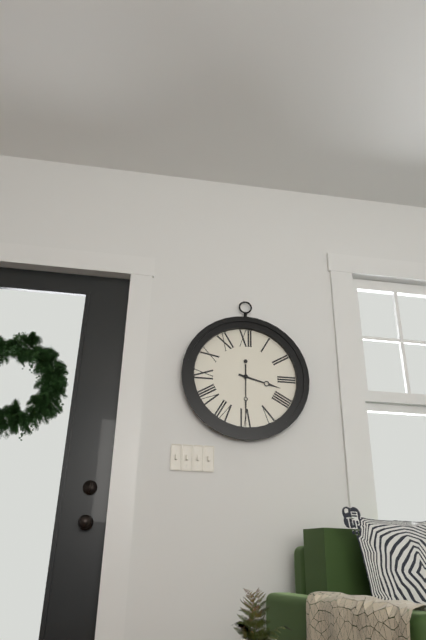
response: 3 h 30 min
